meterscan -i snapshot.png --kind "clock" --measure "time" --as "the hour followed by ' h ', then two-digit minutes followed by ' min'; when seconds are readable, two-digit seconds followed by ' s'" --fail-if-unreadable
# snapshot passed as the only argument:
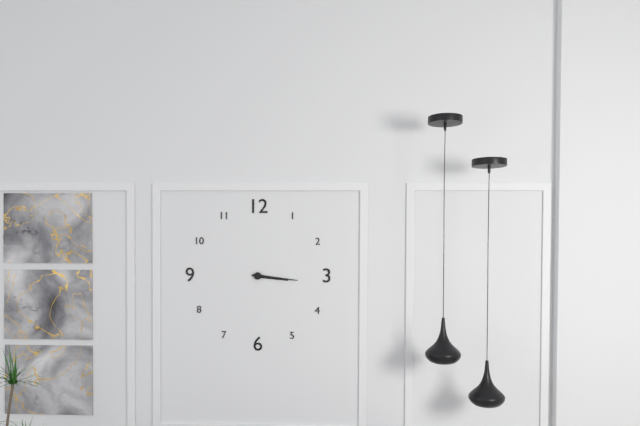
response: 3 h 16 min
